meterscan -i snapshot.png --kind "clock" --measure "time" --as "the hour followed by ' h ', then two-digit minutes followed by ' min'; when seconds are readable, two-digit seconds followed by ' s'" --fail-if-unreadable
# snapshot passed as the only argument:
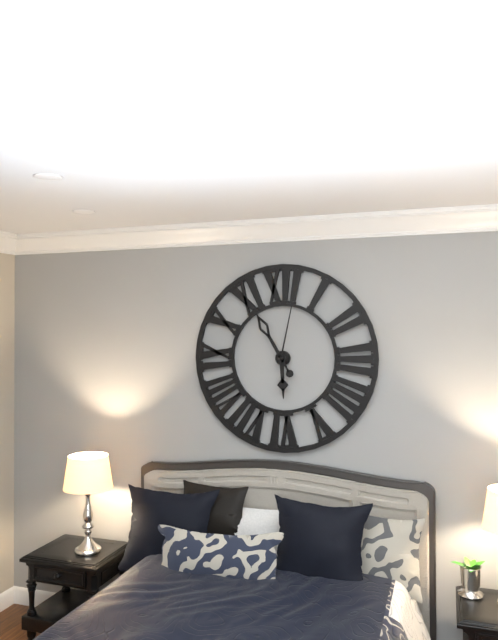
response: 5 h 55 min 02 s
